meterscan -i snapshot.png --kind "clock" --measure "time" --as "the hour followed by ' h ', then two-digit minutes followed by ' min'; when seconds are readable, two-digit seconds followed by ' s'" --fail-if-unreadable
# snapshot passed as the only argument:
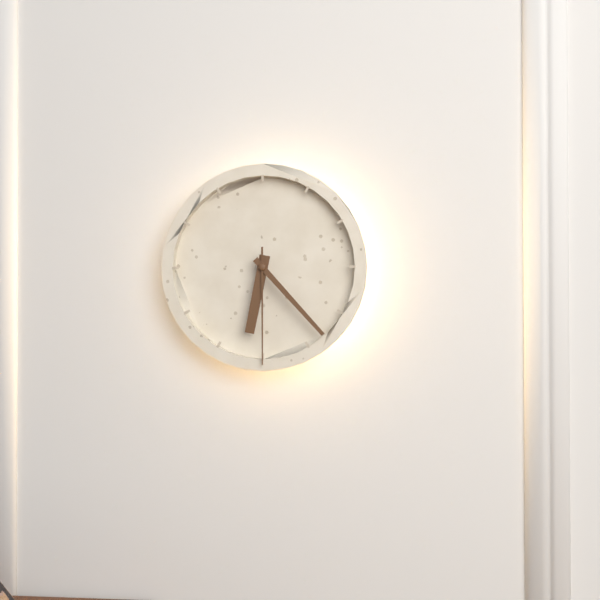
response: 6 h 23 min 30 s
